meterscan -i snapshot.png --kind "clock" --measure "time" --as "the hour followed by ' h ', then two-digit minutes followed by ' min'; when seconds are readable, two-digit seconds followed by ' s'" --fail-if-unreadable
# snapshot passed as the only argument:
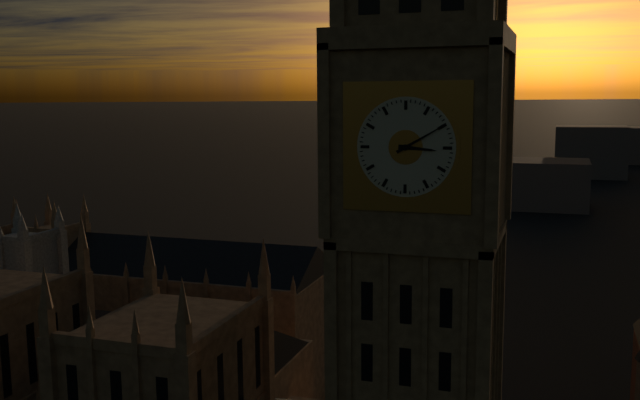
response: 3 h 10 min
